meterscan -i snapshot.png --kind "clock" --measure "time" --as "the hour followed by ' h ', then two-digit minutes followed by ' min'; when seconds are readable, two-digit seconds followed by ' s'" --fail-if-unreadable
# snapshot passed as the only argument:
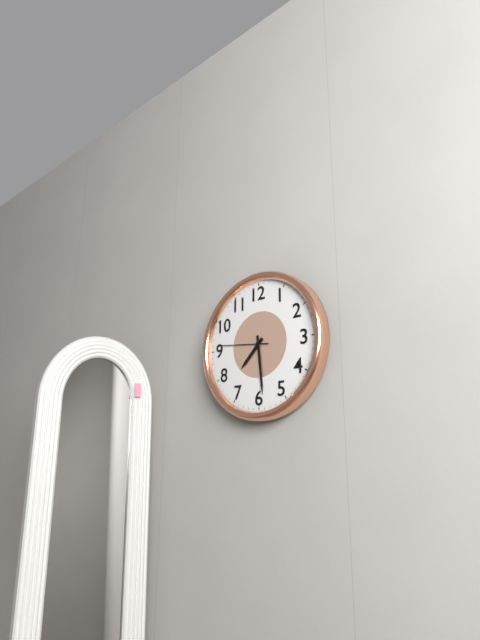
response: 7 h 29 min 46 s
